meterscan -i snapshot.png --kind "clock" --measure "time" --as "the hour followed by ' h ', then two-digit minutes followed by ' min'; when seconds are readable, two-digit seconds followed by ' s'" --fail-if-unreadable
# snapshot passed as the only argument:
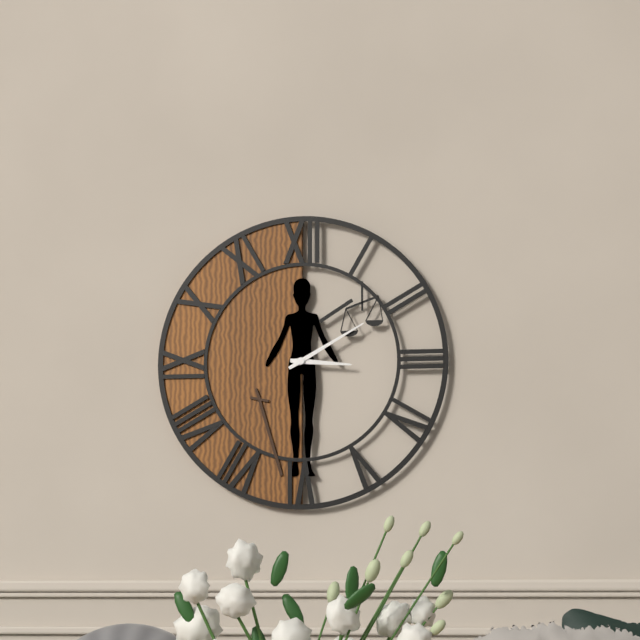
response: 3 h 10 min
